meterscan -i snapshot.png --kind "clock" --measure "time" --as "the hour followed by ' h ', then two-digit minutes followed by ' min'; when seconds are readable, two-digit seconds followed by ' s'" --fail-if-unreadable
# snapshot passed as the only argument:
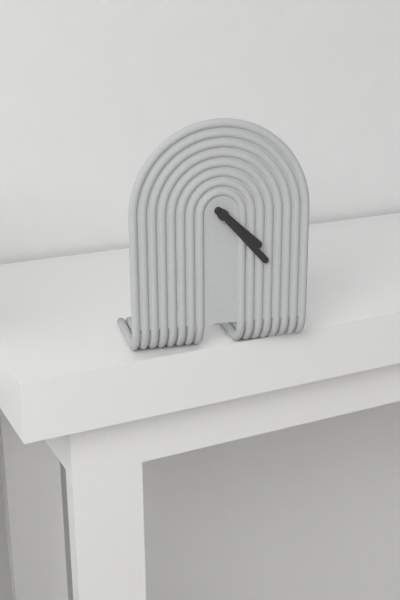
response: 4 h 23 min
